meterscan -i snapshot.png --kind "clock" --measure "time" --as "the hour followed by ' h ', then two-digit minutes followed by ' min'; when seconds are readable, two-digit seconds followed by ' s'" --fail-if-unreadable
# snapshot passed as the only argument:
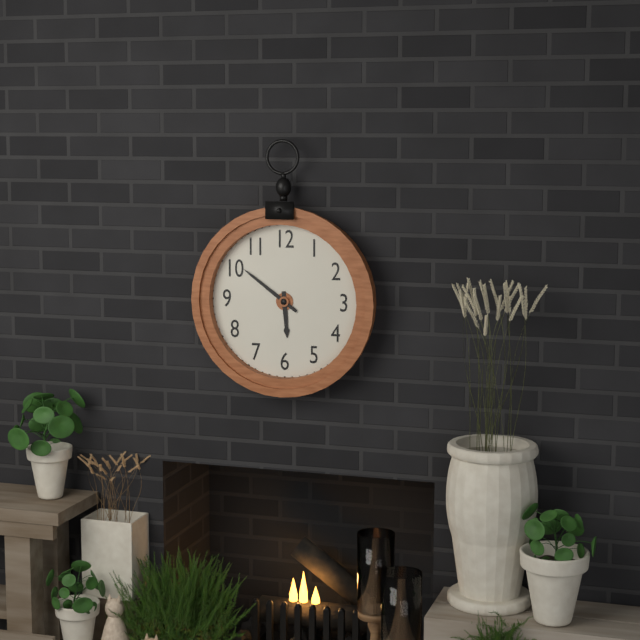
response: 5 h 51 min
